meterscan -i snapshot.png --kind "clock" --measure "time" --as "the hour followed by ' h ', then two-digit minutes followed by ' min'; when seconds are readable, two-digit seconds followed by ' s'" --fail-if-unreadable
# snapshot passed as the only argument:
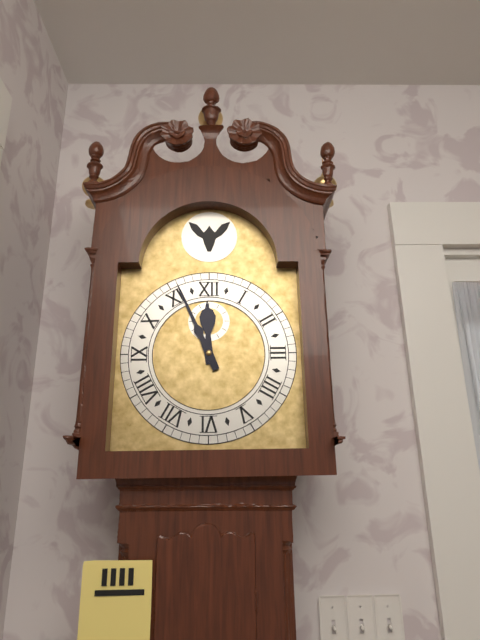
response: 11 h 56 min
